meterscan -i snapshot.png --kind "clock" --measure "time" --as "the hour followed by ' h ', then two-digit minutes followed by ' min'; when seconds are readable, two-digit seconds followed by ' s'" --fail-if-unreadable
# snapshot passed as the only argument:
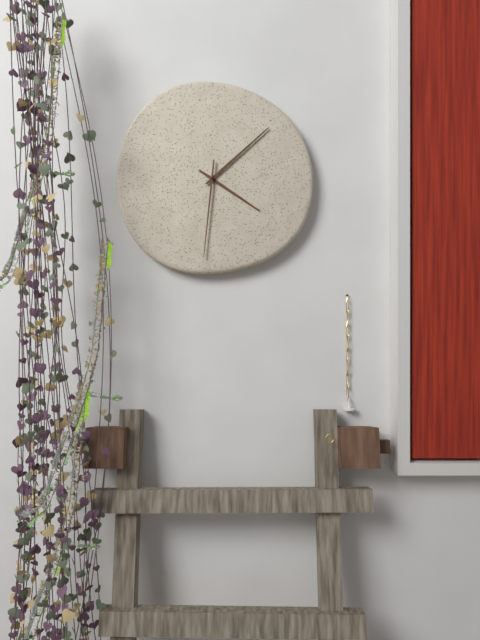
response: 4 h 08 min 31 s
